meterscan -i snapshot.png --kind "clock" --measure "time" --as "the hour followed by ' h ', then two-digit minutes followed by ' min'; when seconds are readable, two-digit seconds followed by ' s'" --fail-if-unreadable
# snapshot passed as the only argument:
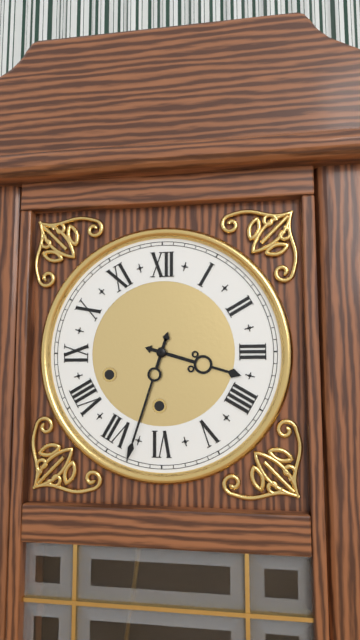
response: 3 h 33 min
